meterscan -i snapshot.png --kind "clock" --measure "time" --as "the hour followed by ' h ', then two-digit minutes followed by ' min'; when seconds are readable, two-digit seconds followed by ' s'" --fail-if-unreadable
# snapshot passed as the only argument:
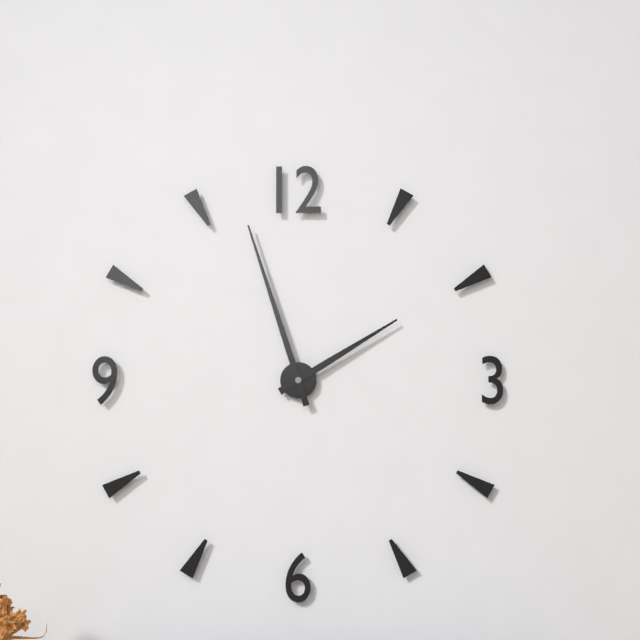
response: 1 h 57 min
